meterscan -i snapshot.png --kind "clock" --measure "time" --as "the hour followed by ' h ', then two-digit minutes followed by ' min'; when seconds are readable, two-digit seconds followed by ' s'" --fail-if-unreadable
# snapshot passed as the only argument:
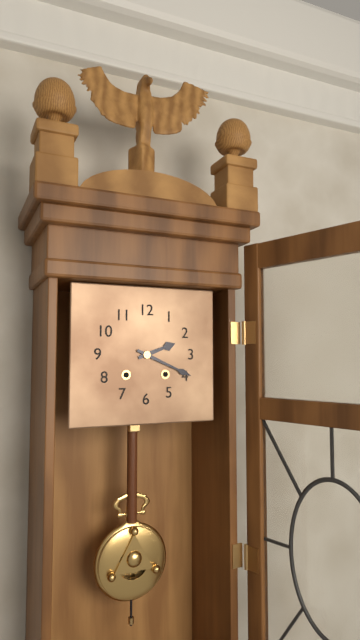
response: 2 h 19 min
